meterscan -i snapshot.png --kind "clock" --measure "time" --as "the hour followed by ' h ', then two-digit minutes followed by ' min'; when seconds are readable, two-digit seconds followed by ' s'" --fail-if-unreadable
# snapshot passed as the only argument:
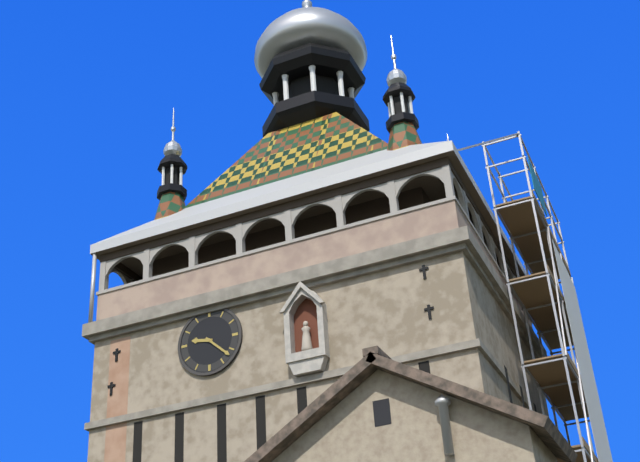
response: 9 h 22 min
